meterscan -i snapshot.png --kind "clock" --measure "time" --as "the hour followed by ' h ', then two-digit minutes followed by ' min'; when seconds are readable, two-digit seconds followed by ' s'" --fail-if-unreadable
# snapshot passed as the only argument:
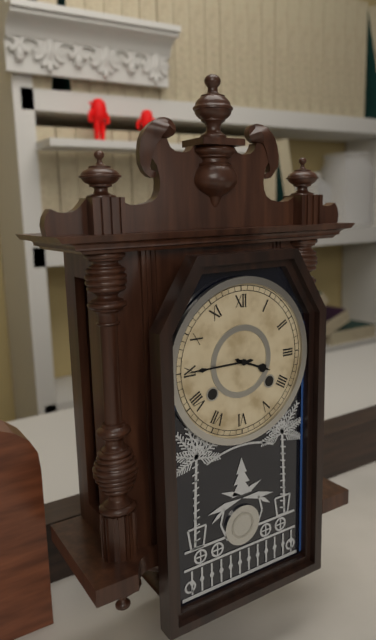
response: 3 h 45 min
